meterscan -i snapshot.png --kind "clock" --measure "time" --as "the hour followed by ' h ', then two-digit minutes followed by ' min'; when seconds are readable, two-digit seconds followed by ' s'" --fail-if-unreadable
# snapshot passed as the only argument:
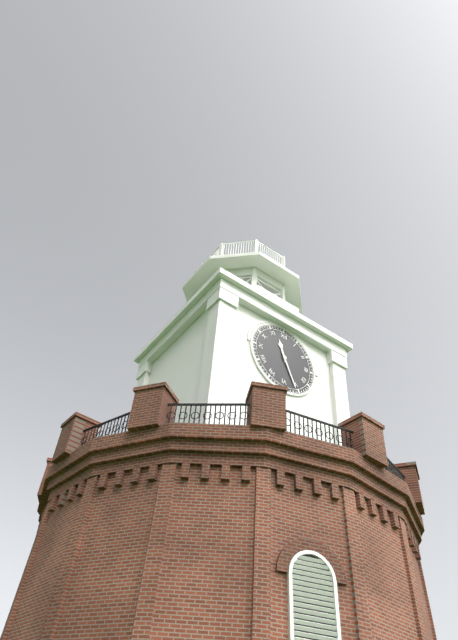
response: 11 h 26 min
